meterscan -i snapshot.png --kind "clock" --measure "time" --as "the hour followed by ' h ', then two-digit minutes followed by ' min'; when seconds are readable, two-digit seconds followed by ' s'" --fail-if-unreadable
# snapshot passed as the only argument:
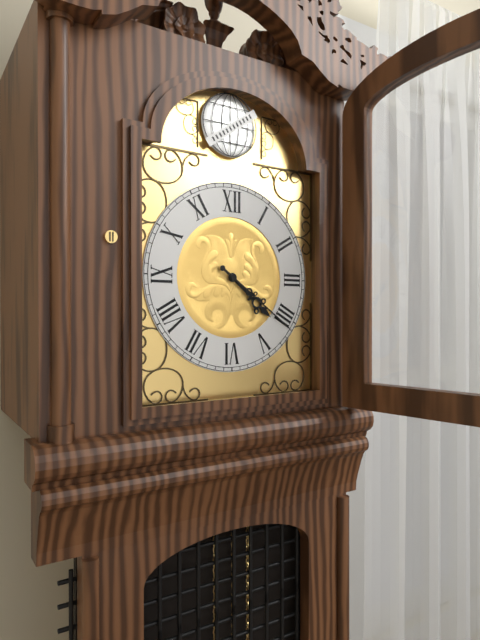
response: 4 h 21 min
